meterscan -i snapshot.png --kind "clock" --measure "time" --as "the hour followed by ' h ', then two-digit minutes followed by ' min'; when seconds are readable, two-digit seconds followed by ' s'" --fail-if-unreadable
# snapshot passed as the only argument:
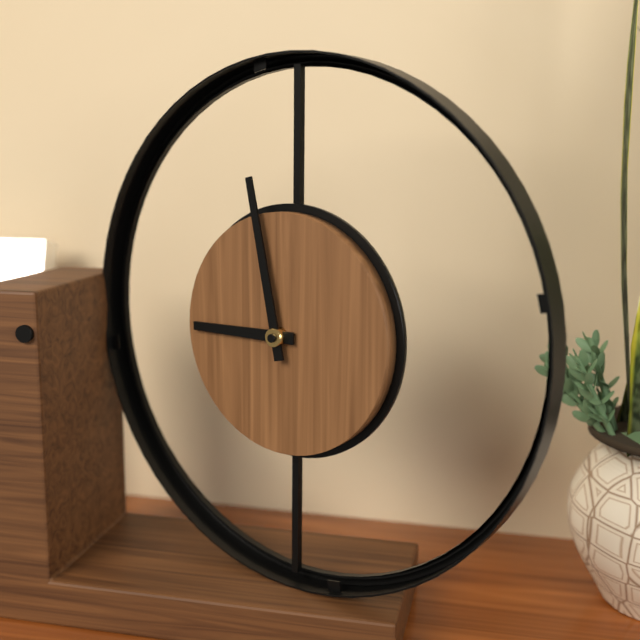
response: 8 h 58 min
